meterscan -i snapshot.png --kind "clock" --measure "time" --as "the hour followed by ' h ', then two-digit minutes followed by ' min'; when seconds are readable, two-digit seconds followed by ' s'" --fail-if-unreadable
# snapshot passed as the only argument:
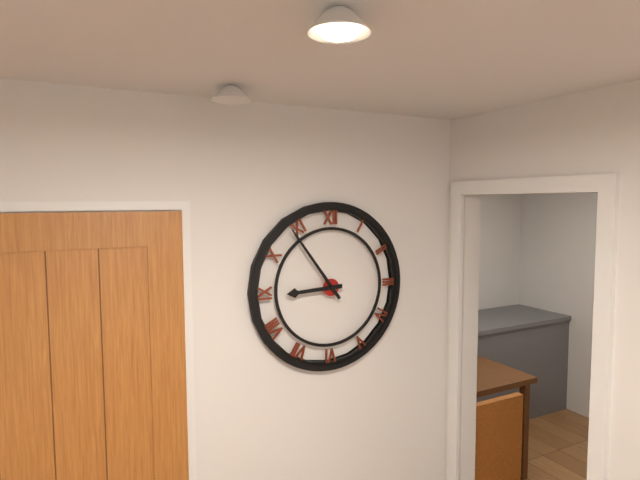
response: 8 h 54 min
